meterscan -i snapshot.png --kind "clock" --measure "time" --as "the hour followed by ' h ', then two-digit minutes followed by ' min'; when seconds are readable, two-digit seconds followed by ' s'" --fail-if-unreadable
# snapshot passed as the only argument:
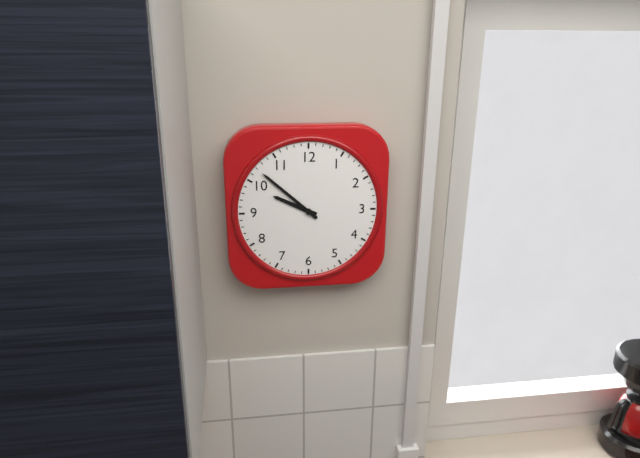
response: 9 h 52 min
